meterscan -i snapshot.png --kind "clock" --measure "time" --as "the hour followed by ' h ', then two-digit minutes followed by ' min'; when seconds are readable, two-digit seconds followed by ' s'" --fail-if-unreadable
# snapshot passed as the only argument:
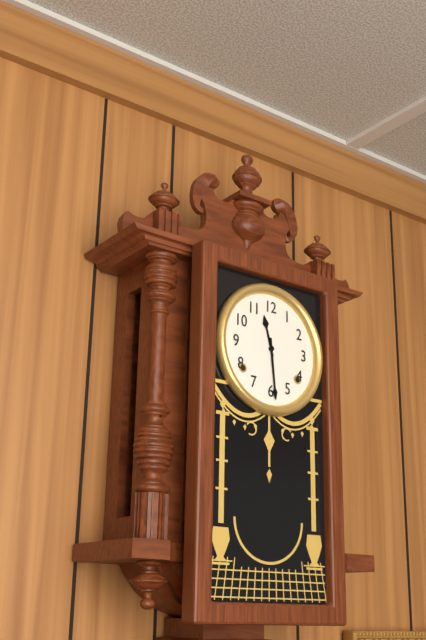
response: 11 h 29 min
